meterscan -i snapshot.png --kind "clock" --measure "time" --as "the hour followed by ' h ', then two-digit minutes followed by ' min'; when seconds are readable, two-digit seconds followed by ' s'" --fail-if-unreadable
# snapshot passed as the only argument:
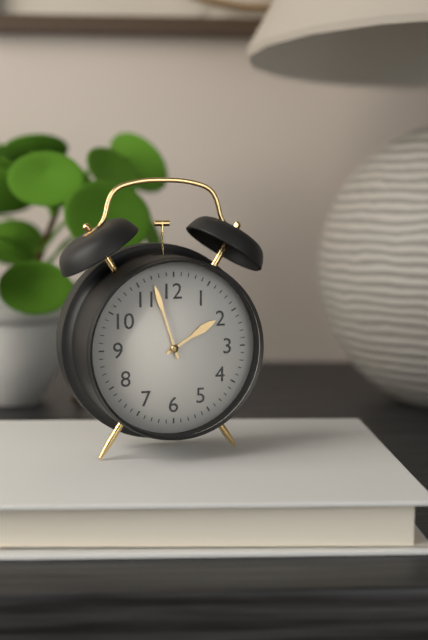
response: 1 h 57 min
